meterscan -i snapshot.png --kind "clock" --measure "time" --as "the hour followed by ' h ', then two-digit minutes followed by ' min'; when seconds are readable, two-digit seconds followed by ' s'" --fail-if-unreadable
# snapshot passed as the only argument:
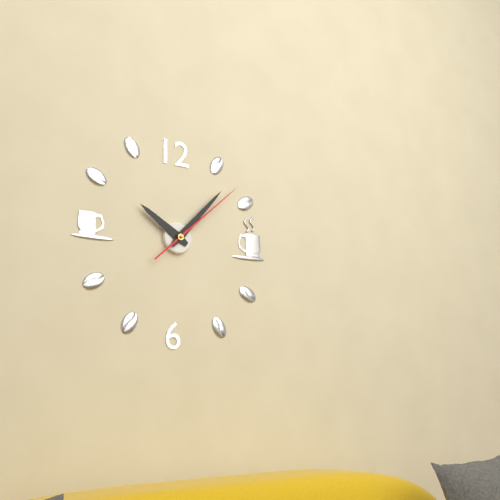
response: 10 h 07 min 08 s
